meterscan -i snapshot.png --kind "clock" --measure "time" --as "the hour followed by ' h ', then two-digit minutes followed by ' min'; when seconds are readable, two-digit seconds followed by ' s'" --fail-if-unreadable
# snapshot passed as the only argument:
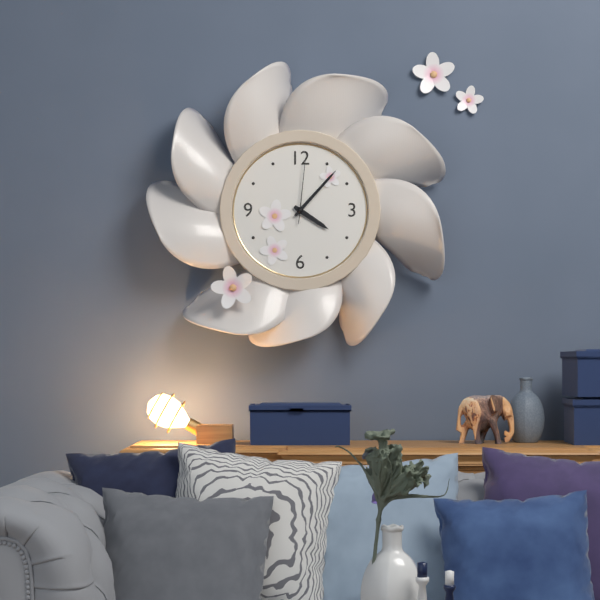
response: 4 h 07 min 01 s
